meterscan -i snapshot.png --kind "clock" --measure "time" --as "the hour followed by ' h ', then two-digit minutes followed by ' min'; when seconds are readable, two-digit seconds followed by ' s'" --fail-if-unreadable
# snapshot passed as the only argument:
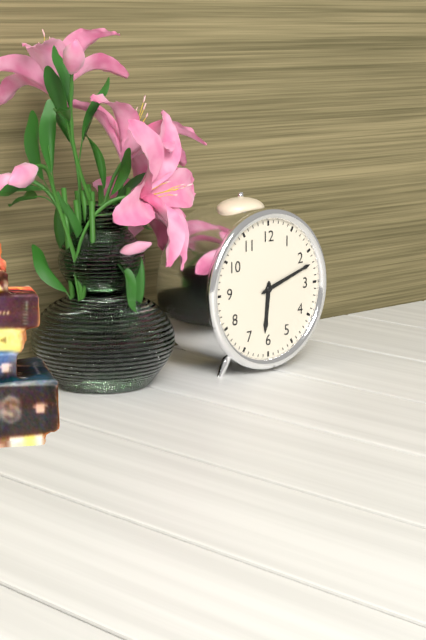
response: 6 h 12 min
